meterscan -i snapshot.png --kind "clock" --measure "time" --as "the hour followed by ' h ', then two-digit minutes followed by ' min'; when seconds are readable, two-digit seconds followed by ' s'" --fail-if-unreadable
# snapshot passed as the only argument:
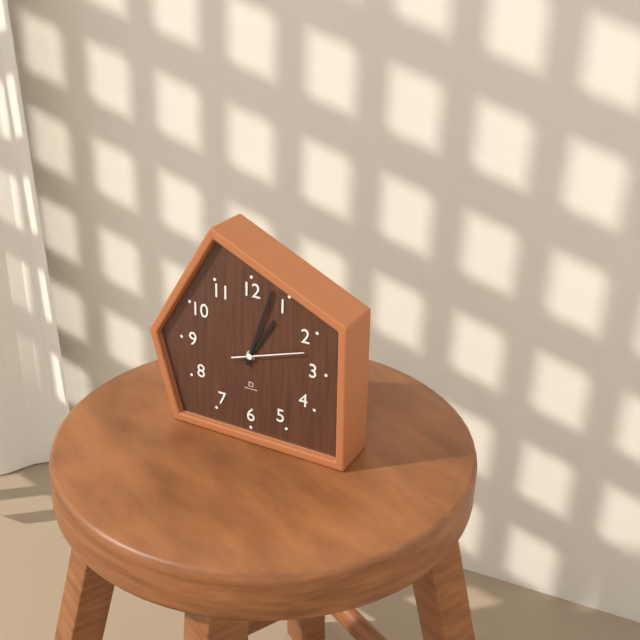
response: 1 h 03 min 12 s
